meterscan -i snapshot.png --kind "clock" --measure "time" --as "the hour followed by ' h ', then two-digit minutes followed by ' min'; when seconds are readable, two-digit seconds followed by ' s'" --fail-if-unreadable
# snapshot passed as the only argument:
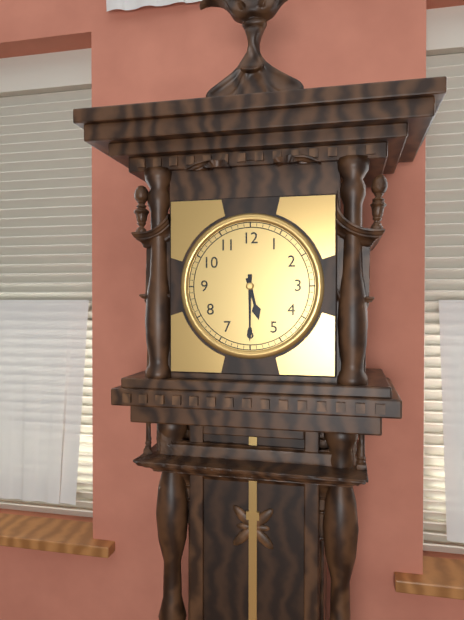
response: 5 h 30 min
